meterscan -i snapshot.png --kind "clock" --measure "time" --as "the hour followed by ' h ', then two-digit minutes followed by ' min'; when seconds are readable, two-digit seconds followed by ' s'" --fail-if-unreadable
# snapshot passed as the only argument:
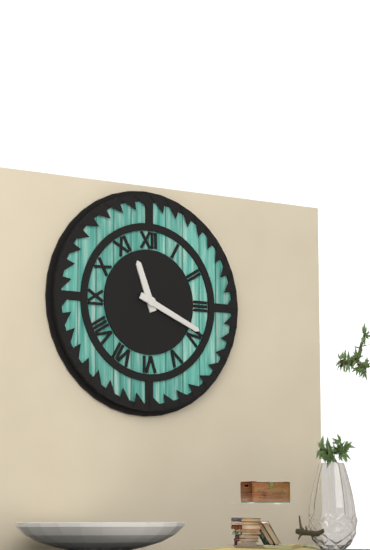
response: 11 h 19 min
